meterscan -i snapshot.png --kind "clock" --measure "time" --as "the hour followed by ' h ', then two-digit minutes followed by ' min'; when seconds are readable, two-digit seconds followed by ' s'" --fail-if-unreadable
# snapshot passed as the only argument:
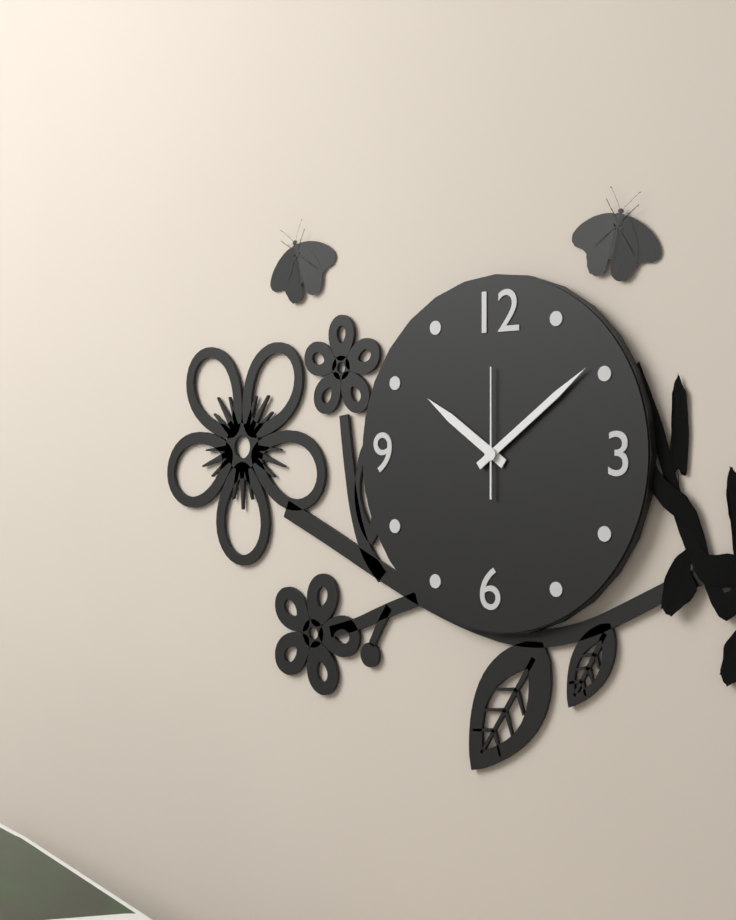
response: 10 h 09 min 00 s
